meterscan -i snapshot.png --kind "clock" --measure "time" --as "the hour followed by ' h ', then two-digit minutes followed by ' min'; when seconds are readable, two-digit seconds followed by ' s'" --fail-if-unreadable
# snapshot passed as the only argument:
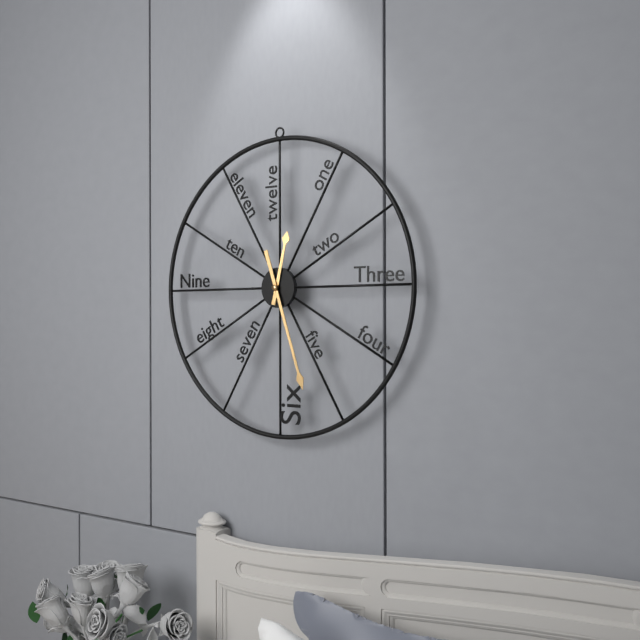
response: 12 h 27 min
